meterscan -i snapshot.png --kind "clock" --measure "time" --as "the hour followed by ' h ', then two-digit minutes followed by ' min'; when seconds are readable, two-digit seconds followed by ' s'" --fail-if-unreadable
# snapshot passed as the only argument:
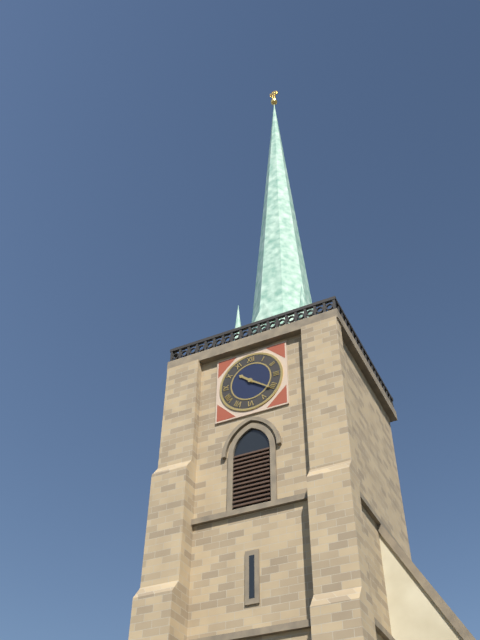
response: 10 h 21 min
